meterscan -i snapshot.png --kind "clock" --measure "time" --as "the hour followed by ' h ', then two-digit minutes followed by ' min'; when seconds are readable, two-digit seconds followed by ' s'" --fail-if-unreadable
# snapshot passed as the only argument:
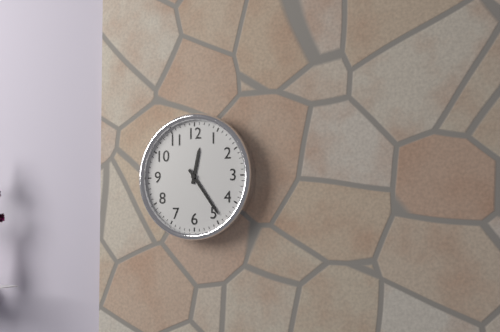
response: 12 h 24 min
